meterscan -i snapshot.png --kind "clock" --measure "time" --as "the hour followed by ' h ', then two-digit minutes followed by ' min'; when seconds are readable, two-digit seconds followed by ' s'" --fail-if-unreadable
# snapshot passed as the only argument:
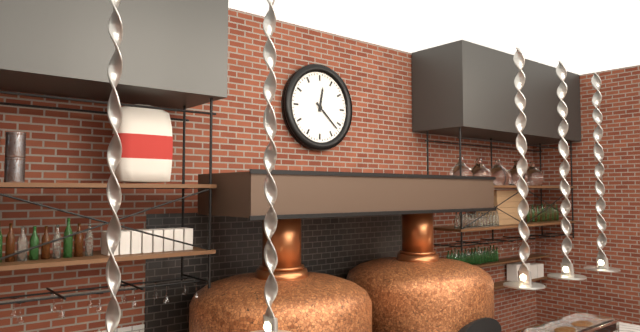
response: 12 h 22 min
